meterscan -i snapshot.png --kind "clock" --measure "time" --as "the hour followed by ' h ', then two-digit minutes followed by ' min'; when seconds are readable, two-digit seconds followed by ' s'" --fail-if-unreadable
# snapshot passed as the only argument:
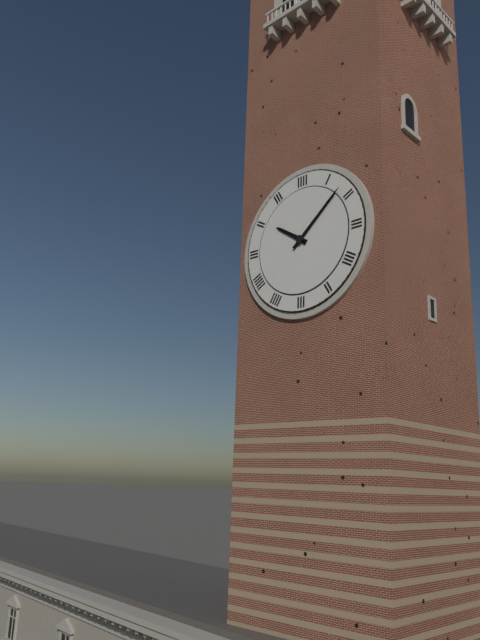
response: 10 h 08 min
